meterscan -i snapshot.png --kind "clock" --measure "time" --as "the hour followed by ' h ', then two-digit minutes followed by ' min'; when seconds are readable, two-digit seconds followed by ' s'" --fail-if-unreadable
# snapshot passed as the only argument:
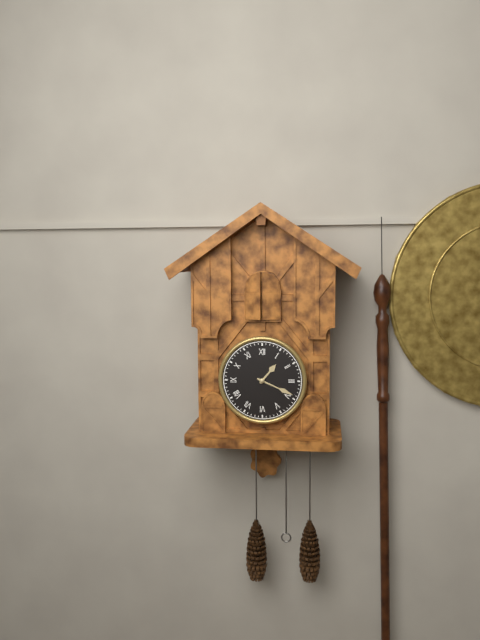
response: 1 h 19 min
